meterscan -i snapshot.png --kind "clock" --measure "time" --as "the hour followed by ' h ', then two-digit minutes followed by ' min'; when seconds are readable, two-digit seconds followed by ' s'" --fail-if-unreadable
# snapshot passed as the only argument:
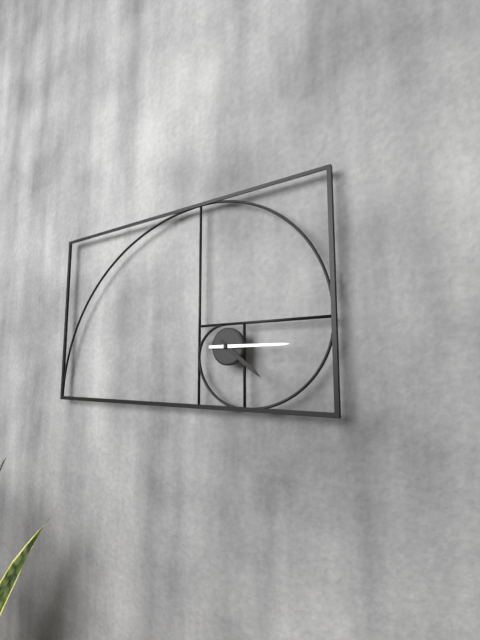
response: 4 h 15 min
